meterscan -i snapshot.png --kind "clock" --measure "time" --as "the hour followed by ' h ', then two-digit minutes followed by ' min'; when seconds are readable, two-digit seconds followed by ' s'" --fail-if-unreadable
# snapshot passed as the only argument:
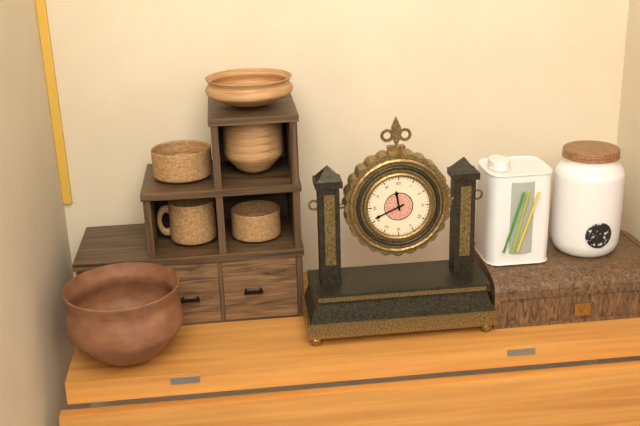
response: 11 h 41 min
